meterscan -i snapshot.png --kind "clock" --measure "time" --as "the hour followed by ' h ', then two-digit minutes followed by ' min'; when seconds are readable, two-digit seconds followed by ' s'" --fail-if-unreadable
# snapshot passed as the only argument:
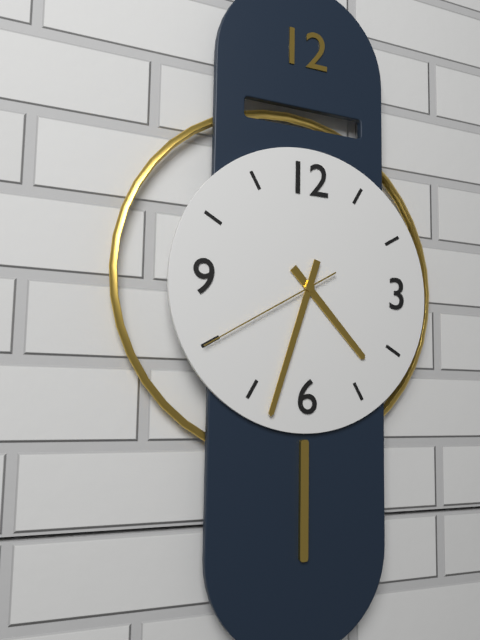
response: 4 h 33 min 40 s
